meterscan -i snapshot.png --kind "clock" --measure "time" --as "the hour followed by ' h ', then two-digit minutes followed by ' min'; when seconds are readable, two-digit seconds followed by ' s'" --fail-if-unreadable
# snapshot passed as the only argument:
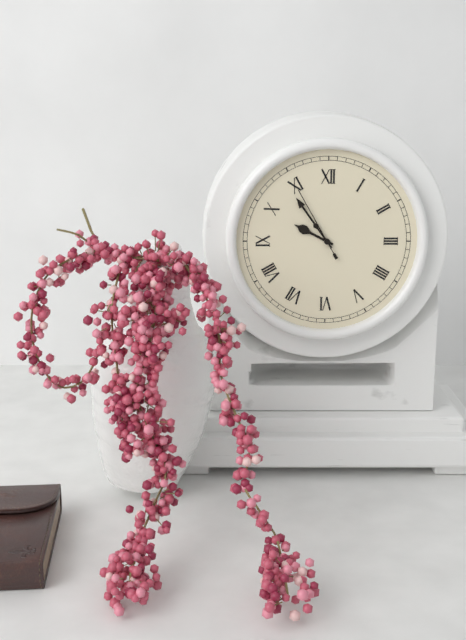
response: 9 h 54 min 55 s
